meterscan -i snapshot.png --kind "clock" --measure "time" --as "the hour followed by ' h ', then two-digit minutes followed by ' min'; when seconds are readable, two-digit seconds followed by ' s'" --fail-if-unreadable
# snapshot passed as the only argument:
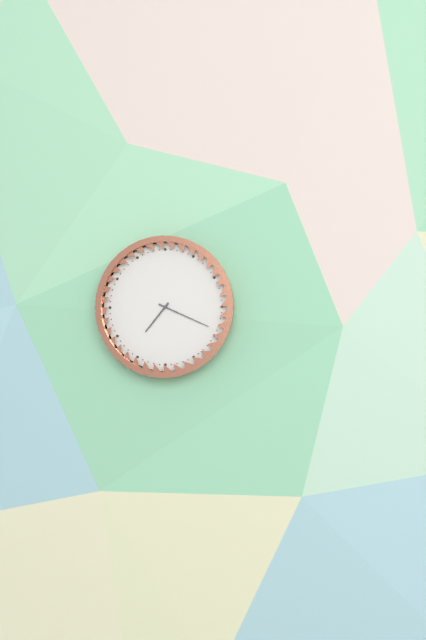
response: 7 h 19 min
